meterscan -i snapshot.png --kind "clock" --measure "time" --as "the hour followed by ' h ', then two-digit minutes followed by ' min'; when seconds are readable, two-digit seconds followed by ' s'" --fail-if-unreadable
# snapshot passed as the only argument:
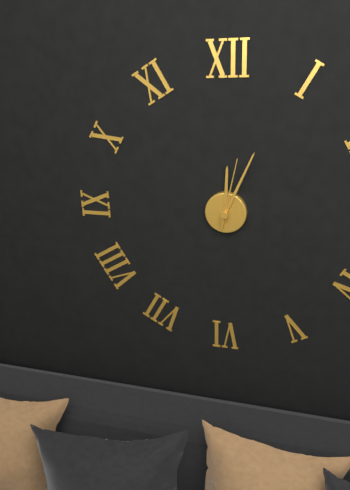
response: 12 h 04 min 02 s
